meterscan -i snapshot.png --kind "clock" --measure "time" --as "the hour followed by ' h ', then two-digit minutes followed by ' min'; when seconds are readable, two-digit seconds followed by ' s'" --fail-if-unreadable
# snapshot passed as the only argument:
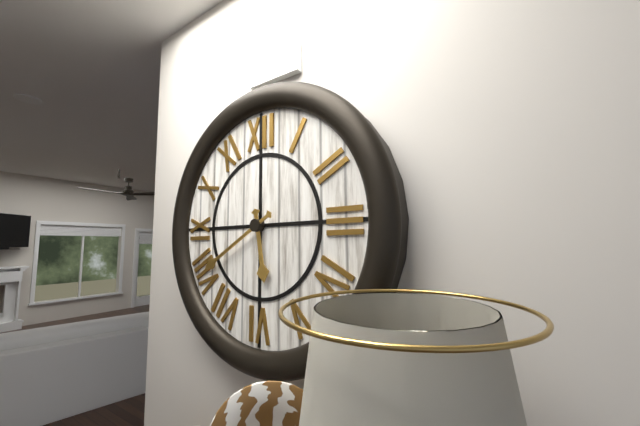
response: 5 h 40 min
